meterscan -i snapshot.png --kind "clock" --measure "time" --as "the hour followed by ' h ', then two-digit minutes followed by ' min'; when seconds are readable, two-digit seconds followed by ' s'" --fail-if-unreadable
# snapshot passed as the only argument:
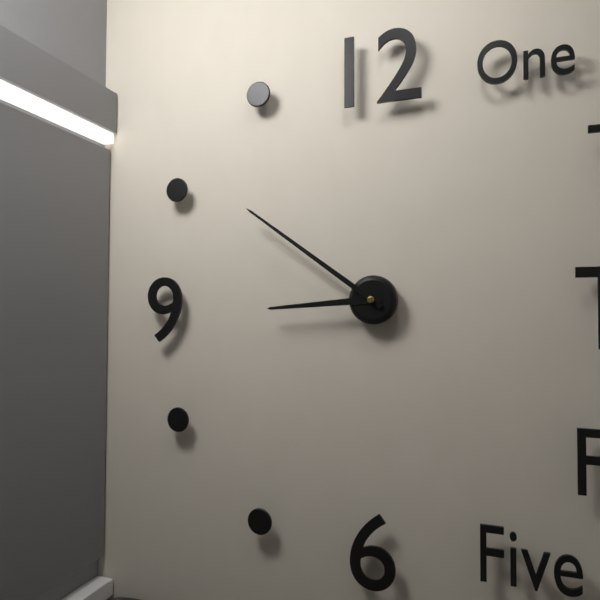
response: 8 h 51 min
